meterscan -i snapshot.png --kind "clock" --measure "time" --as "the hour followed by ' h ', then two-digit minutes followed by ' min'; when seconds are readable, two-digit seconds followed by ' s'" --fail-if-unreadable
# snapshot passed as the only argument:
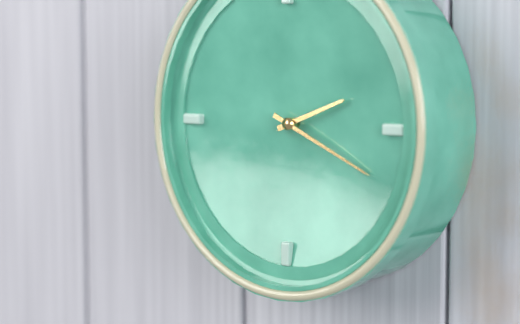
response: 2 h 19 min
